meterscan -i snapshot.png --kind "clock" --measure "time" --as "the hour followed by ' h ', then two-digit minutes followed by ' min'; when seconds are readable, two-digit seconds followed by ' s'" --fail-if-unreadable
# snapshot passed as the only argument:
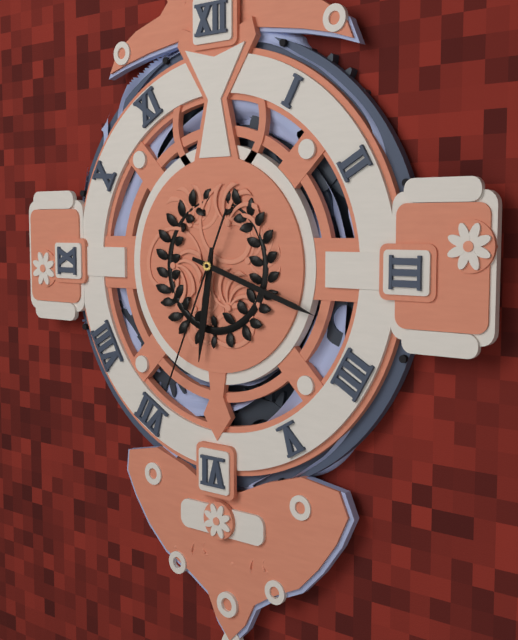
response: 6 h 18 min 34 s
